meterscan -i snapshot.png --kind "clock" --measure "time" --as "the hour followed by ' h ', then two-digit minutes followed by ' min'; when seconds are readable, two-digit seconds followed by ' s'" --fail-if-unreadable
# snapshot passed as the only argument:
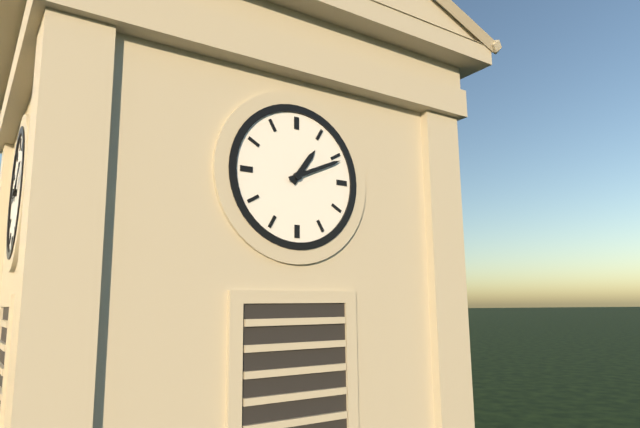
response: 1 h 11 min
